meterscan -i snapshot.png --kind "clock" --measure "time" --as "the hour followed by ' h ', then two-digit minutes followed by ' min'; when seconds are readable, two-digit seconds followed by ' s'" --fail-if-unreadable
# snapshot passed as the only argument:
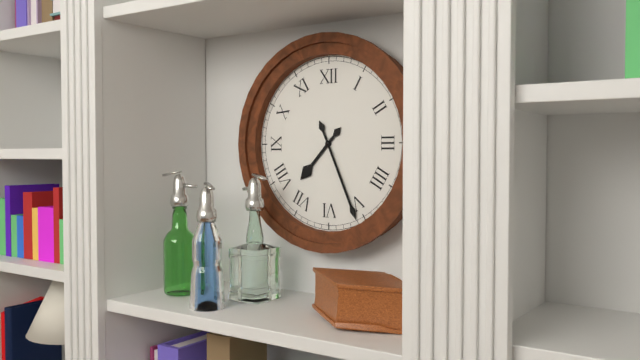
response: 7 h 26 min
